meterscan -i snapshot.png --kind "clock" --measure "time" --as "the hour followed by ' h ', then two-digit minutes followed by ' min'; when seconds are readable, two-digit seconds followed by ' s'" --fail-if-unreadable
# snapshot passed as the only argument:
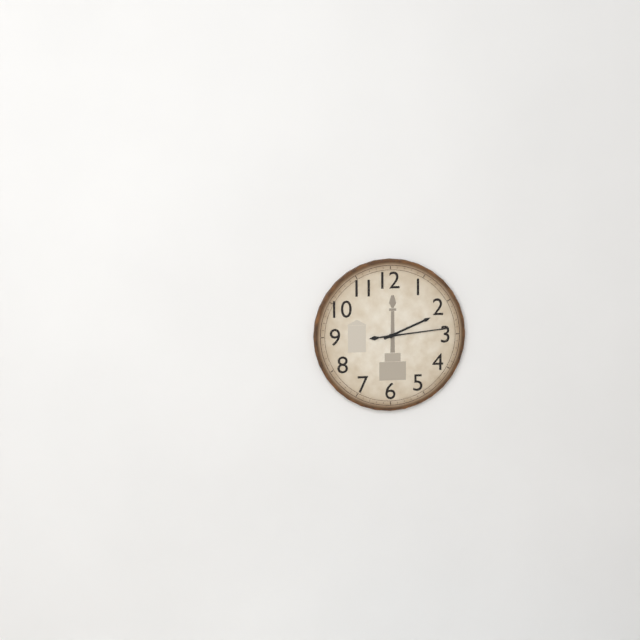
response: 2 h 14 min
